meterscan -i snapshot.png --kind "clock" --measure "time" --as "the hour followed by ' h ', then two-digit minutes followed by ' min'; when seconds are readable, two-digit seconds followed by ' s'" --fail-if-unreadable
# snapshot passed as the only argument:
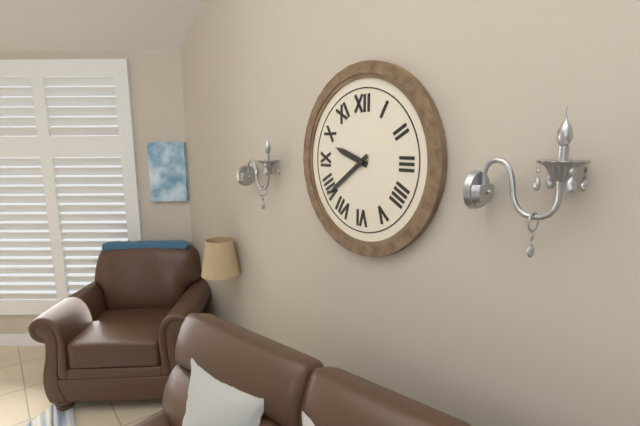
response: 9 h 39 min
